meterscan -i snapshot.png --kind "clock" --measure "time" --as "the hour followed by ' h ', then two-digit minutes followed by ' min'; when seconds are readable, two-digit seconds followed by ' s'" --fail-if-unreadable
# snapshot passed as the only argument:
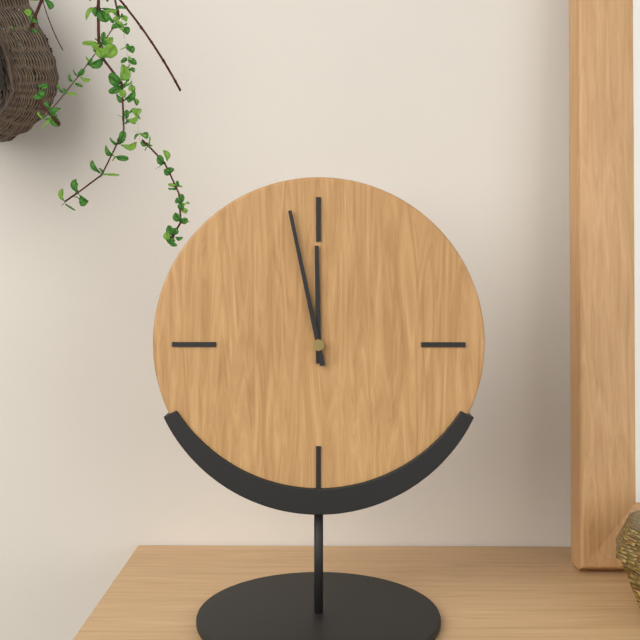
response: 11 h 58 min
